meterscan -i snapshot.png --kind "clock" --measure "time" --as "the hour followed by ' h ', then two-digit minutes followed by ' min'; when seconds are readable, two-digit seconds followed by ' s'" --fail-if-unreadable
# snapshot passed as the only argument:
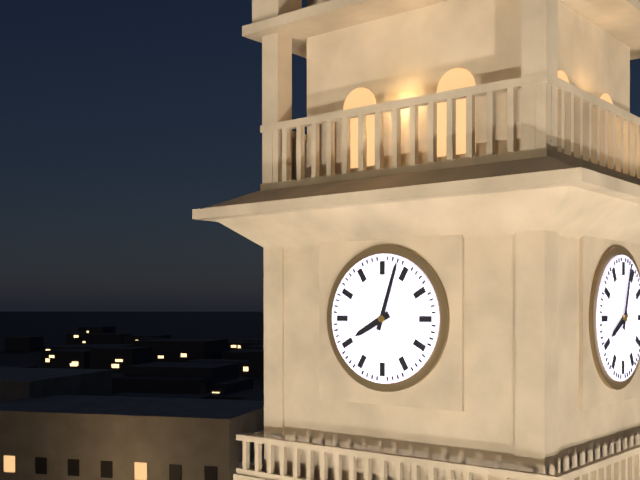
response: 8 h 03 min
